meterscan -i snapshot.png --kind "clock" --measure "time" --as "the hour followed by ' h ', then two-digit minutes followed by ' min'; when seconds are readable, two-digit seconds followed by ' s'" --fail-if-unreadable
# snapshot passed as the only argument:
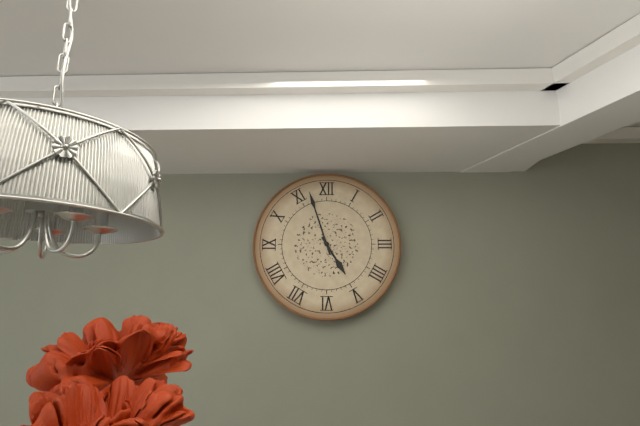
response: 4 h 57 min
